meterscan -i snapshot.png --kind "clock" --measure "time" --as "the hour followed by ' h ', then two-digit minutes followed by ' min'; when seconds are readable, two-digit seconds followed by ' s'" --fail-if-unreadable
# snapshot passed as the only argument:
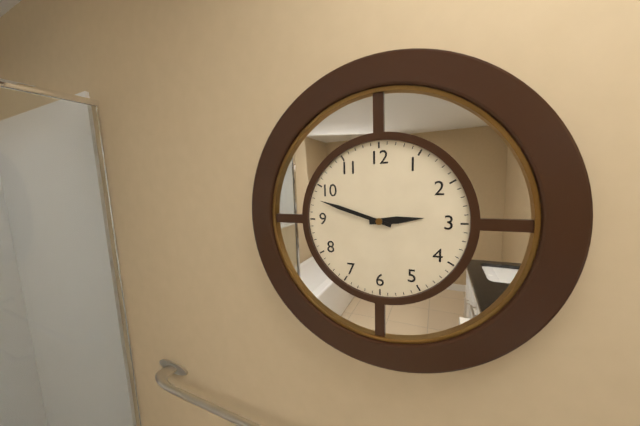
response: 2 h 48 min
